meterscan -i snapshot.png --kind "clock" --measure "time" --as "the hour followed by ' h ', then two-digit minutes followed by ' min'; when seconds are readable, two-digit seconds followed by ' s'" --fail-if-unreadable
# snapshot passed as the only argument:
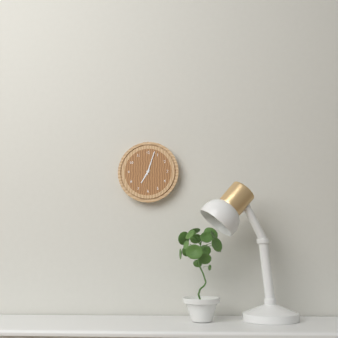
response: 7 h 03 min
